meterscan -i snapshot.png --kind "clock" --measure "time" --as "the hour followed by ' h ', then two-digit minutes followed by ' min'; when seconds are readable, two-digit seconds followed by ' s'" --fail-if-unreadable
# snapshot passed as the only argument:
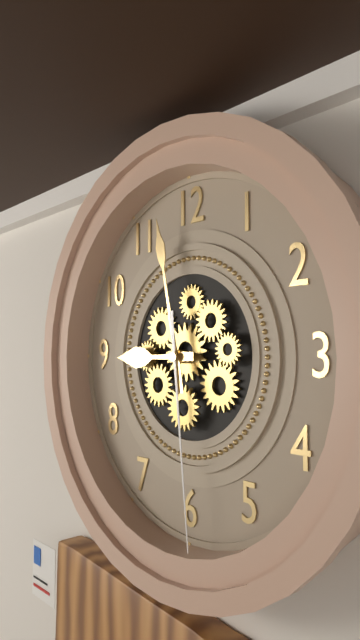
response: 8 h 58 min 29 s
